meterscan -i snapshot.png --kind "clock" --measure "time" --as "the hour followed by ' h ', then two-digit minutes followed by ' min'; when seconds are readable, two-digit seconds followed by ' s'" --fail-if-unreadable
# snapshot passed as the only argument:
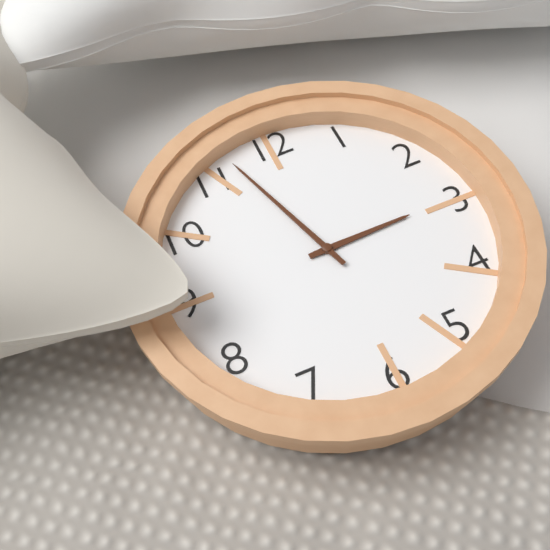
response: 2 h 57 min
